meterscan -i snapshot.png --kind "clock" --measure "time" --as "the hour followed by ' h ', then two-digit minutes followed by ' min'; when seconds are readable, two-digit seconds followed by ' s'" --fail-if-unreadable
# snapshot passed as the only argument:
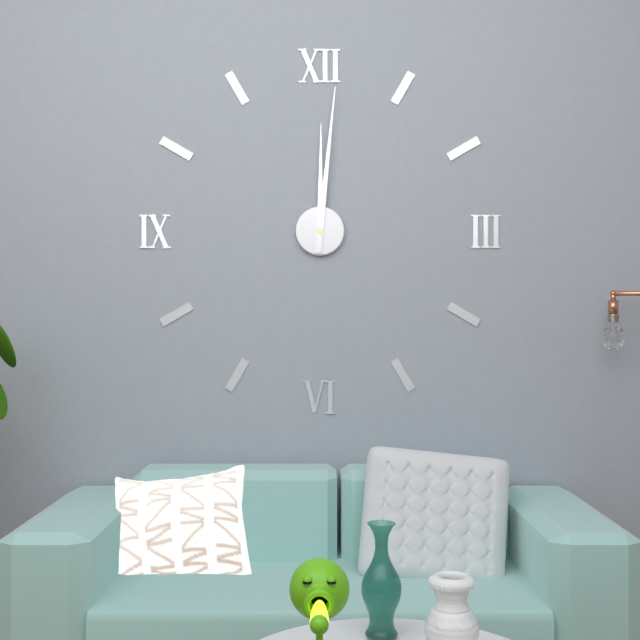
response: 12 h 01 min
